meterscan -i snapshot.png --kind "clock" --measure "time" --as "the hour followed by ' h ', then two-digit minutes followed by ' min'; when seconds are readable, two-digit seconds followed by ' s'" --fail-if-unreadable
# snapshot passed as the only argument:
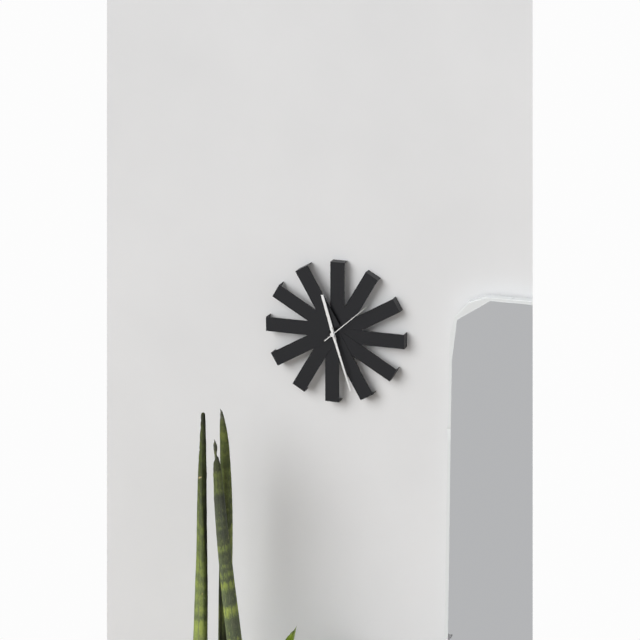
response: 11 h 27 min 08 s
